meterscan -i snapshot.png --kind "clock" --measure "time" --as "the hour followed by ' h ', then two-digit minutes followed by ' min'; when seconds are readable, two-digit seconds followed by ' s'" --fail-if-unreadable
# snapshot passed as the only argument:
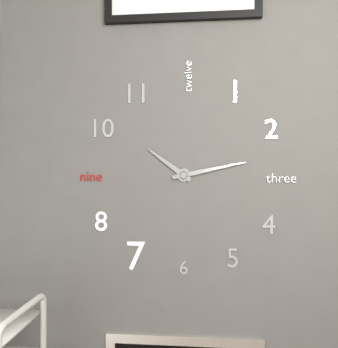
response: 10 h 13 min
